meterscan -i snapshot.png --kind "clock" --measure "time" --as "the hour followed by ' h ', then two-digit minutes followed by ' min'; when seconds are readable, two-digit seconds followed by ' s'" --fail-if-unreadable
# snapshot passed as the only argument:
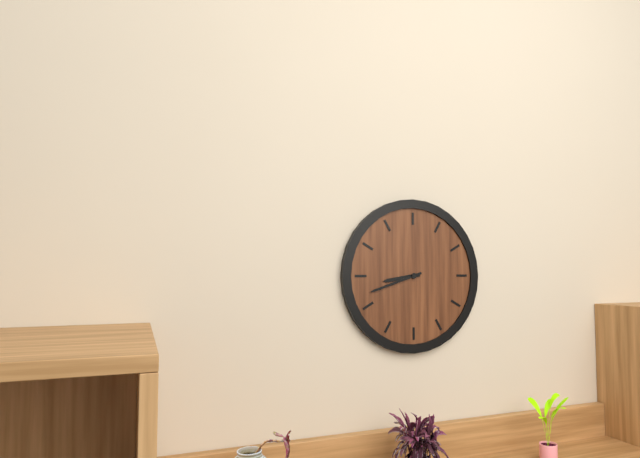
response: 8 h 42 min
